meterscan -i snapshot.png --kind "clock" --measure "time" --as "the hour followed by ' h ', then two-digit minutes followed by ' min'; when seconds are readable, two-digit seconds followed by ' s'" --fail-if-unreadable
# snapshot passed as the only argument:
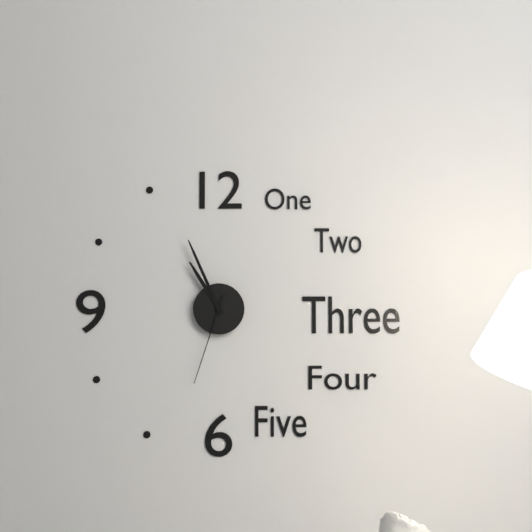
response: 10 h 56 min 33 s
